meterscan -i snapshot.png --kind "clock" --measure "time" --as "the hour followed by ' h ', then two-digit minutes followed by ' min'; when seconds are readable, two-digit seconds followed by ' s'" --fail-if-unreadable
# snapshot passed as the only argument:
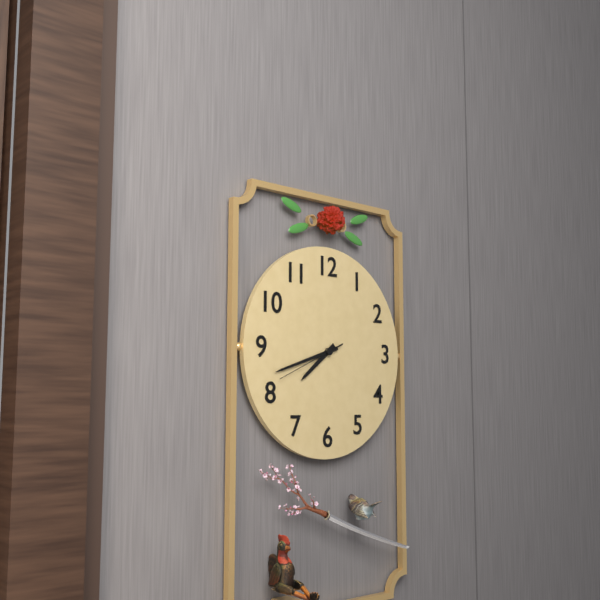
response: 7 h 42 min 41 s
